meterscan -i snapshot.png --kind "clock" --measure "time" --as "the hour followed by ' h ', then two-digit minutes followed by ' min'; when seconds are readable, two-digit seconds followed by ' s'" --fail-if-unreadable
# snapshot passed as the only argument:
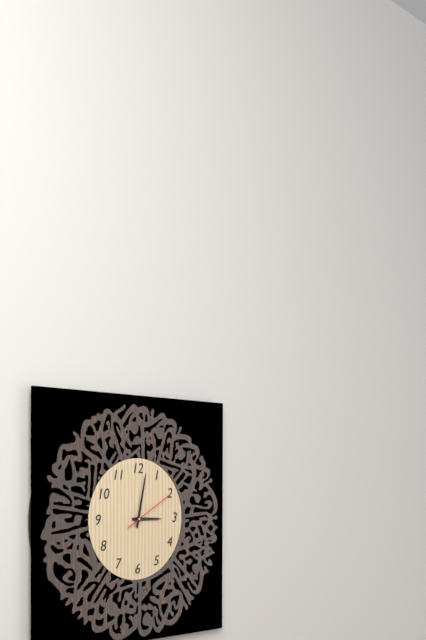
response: 3 h 02 min
